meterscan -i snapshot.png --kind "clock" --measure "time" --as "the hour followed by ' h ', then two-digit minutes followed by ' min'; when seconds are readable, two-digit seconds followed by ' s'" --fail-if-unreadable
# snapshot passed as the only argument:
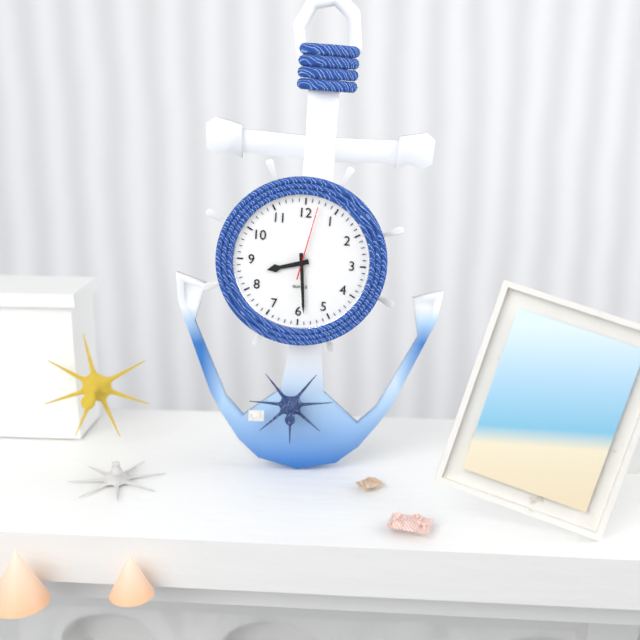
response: 8 h 29 min 02 s
